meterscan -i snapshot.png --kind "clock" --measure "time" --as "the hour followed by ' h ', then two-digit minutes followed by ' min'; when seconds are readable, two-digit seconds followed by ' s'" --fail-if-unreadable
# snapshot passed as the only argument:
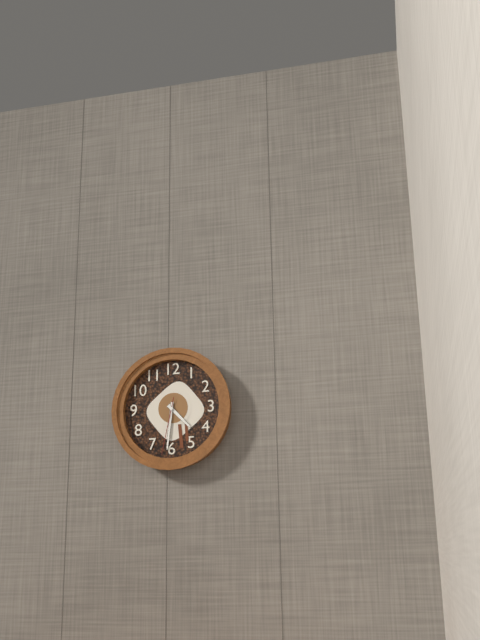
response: 4 h 31 min 32 s
